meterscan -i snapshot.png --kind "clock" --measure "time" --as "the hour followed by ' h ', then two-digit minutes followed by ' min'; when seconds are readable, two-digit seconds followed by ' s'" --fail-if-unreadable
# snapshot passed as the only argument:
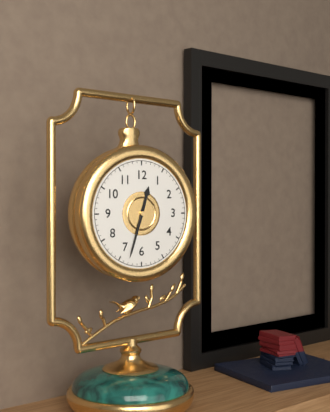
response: 12 h 33 min
